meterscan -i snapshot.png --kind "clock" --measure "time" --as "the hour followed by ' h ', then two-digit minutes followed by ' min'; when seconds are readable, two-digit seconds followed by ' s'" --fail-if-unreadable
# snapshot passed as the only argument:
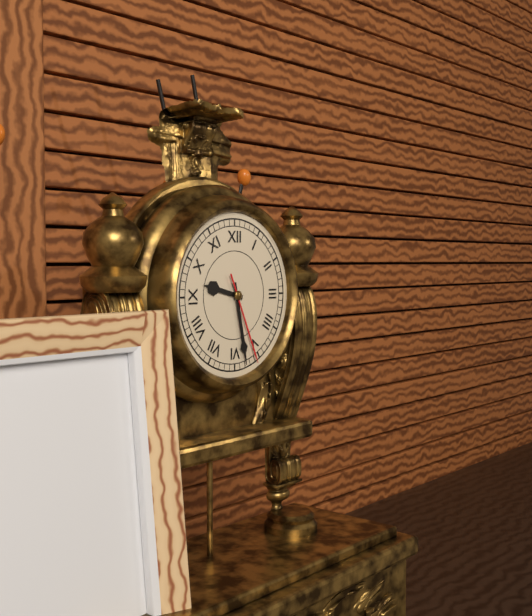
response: 9 h 28 min 26 s
